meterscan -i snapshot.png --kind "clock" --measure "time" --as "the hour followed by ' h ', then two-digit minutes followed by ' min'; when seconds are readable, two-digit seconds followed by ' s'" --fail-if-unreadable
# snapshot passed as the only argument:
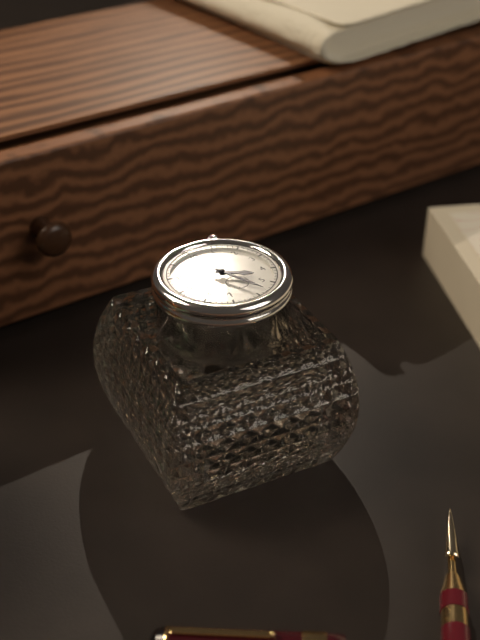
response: 4 h 28 min
